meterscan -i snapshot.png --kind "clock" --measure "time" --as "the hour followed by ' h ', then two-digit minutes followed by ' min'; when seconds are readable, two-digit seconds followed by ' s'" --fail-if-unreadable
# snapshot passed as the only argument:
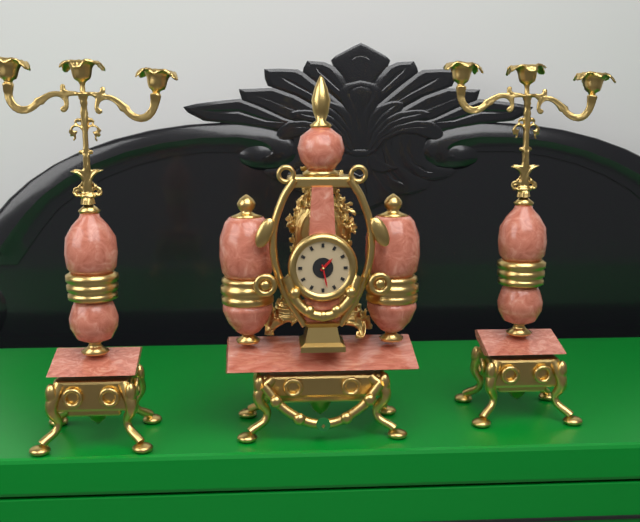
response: 1 h 28 min
